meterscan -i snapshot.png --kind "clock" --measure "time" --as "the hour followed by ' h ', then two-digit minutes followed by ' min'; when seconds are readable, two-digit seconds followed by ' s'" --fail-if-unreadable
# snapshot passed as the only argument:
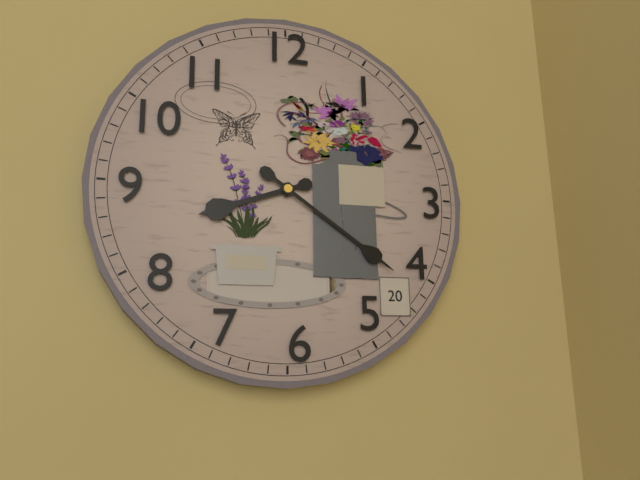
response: 8 h 21 min
